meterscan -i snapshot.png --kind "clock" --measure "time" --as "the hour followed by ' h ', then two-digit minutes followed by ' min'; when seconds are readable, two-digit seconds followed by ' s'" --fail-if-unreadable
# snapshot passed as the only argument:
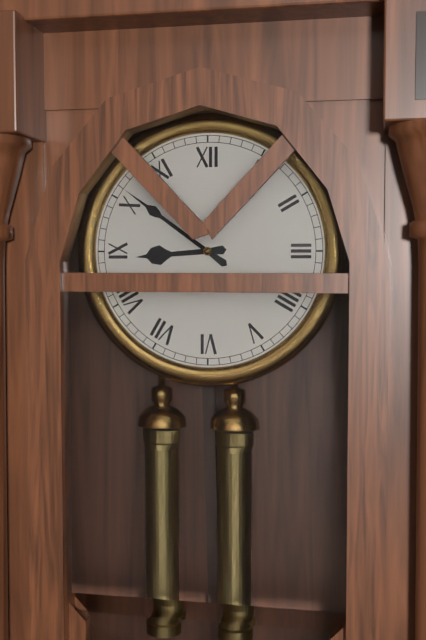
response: 8 h 51 min
